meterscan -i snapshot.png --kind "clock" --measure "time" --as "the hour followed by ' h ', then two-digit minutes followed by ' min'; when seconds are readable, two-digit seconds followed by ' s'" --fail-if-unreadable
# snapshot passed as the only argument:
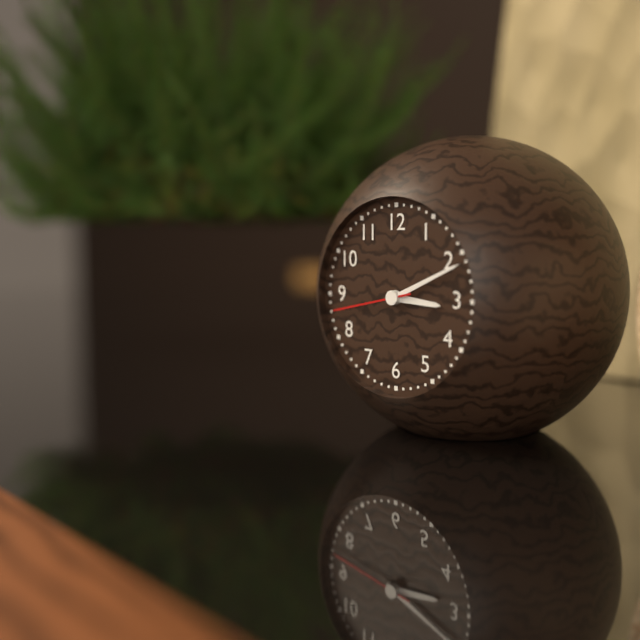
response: 3 h 11 min 43 s
